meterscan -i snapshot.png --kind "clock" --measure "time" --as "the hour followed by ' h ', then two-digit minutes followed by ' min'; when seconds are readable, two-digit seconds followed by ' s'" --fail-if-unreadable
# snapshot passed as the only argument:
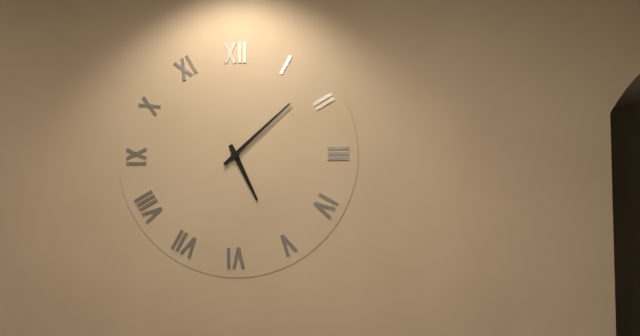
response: 5 h 08 min
